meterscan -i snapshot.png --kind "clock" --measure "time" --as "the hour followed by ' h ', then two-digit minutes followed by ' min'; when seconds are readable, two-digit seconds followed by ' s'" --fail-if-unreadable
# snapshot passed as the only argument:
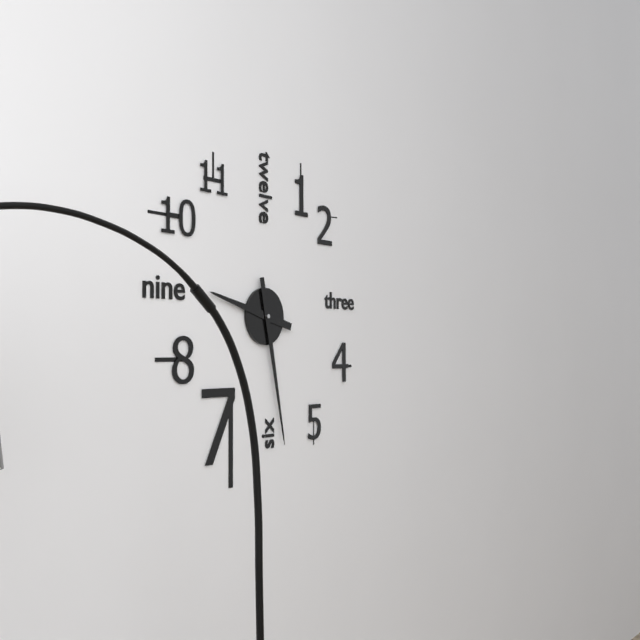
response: 9 h 28 min
